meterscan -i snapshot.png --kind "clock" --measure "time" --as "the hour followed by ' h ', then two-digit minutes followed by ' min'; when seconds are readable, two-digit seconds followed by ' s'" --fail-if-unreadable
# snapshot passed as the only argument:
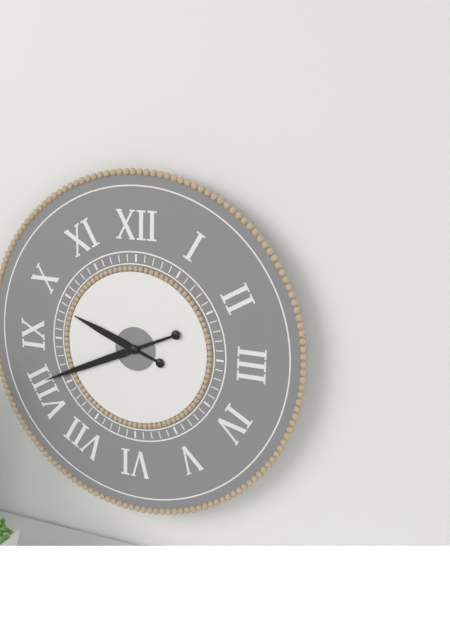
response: 9 h 41 min
